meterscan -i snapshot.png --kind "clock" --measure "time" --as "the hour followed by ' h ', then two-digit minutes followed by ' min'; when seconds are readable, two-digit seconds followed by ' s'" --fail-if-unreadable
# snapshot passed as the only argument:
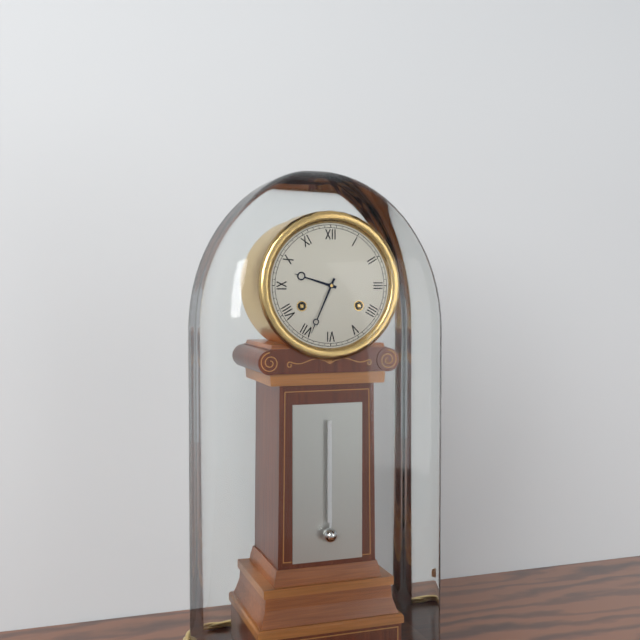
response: 9 h 34 min
